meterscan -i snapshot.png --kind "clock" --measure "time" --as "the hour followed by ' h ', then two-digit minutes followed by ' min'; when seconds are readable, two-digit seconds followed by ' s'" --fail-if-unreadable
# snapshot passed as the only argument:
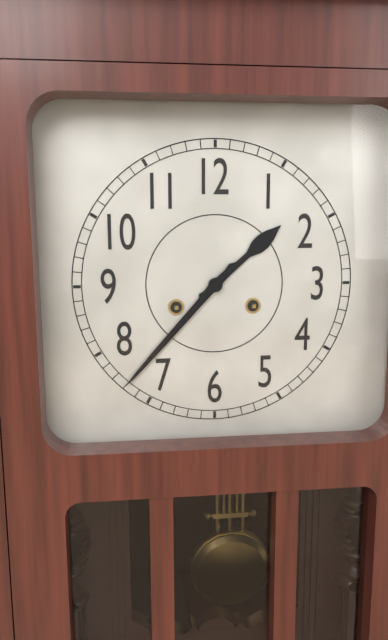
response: 1 h 37 min
